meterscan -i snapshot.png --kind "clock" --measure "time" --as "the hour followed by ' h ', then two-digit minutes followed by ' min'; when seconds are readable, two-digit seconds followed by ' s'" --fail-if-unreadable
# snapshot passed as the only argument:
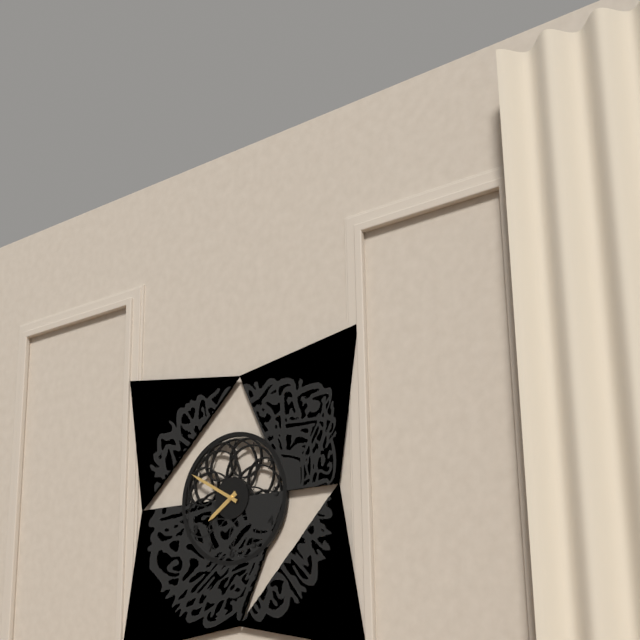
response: 7 h 50 min
